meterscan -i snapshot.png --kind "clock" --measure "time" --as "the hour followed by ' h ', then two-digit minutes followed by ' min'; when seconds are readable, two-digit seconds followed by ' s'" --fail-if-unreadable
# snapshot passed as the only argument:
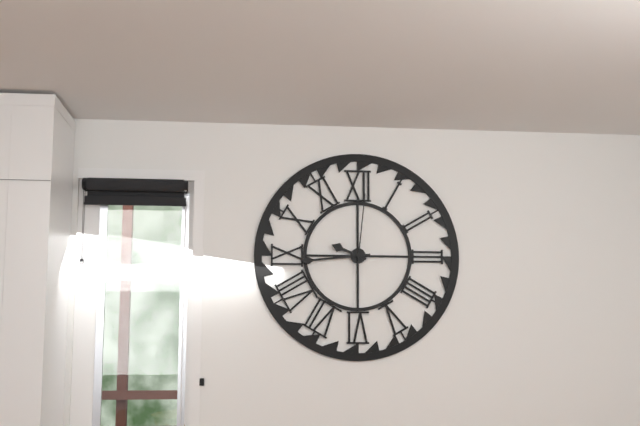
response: 9 h 44 min 01 s
